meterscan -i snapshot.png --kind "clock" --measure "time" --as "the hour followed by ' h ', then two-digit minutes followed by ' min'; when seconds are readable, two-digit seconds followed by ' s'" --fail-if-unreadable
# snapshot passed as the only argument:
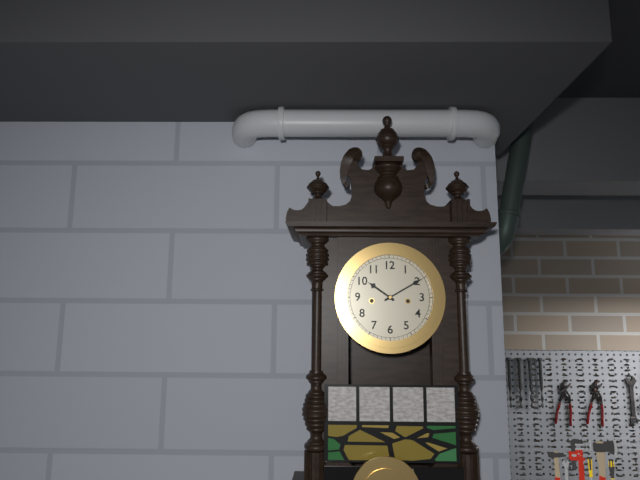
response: 10 h 10 min
